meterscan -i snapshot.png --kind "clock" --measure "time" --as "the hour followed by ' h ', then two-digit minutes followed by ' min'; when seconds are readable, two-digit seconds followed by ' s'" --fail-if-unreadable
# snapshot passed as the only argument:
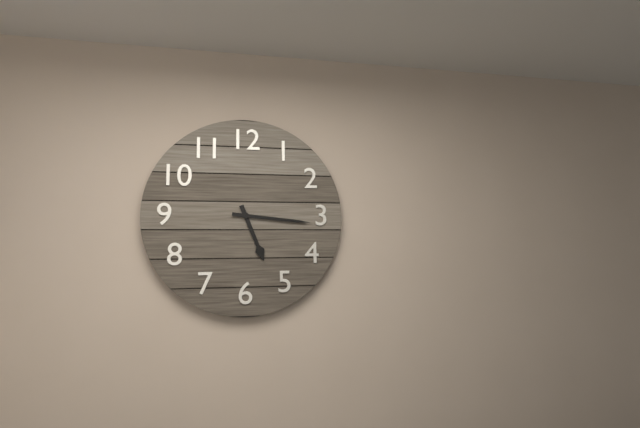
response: 5 h 16 min
